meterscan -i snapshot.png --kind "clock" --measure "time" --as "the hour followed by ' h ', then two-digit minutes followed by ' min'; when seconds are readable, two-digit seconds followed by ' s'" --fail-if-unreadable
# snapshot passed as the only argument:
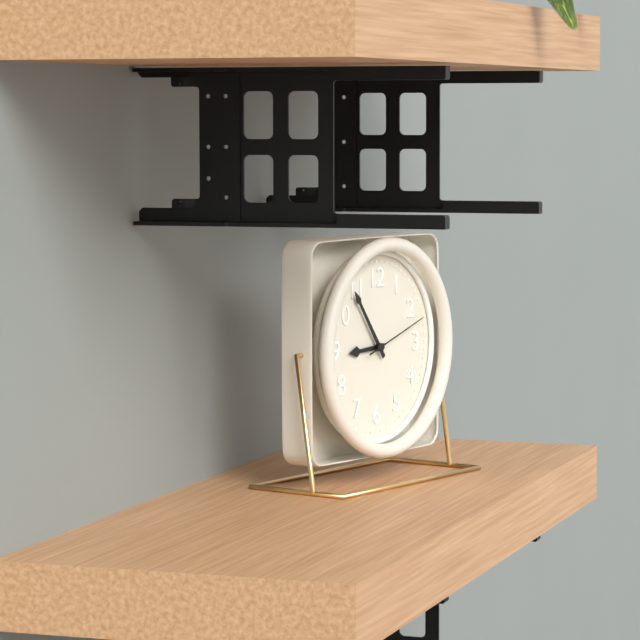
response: 8 h 54 min 12 s
